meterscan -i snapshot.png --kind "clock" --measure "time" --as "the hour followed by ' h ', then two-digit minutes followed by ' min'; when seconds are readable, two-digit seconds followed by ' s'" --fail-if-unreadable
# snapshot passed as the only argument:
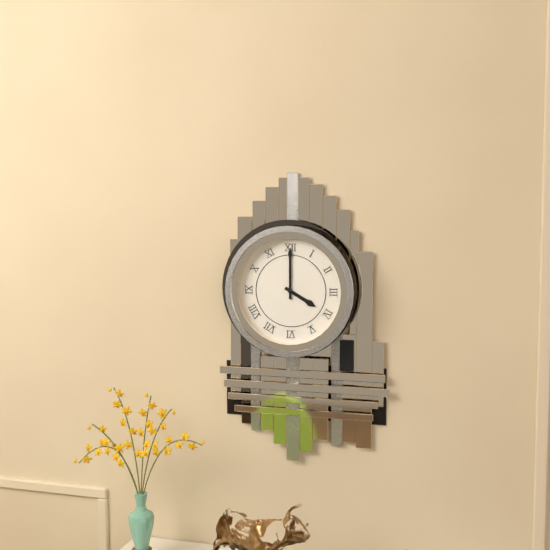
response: 4 h 00 min
